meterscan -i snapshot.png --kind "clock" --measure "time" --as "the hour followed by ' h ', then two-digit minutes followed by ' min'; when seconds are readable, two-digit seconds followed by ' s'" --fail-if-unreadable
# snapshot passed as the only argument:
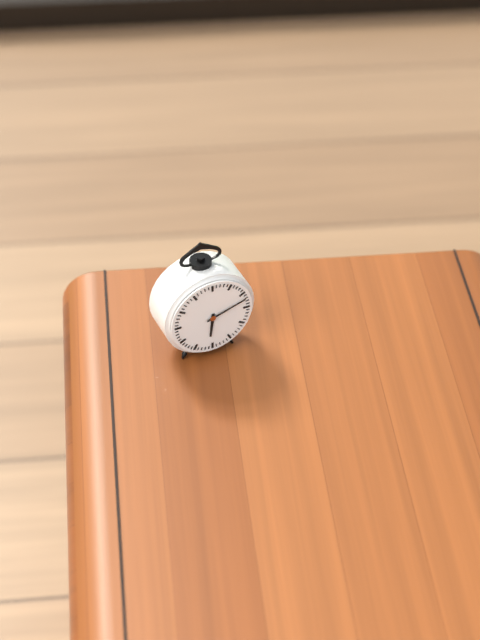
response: 6 h 12 min
